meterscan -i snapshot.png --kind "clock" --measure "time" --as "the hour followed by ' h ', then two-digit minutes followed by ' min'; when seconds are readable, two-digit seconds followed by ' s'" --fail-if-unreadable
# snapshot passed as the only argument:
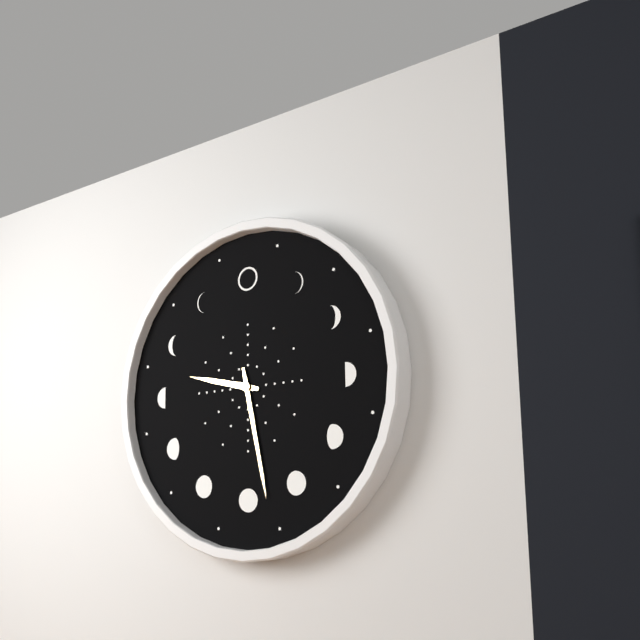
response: 9 h 28 min
